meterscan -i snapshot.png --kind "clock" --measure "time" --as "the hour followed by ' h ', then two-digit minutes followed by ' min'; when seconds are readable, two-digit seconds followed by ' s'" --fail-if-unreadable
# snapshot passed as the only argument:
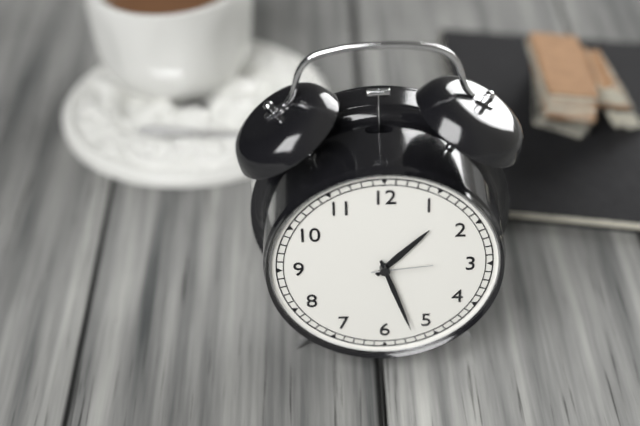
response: 1 h 27 min 14 s
